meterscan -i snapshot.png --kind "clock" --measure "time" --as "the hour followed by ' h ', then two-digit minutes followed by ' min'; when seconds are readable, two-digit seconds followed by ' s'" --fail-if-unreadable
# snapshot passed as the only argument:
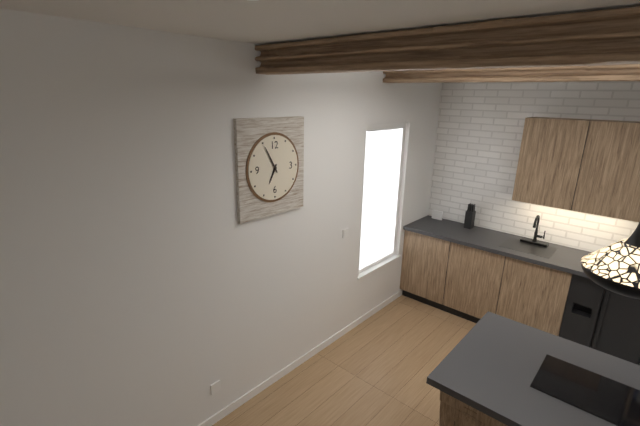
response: 6 h 55 min
